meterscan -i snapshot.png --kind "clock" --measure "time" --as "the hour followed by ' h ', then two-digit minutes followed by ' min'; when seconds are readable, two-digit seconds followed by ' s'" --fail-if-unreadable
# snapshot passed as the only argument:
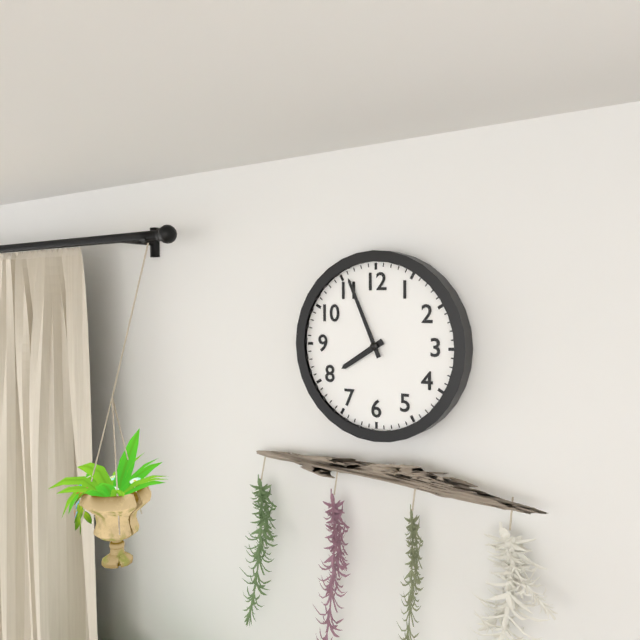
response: 7 h 56 min
